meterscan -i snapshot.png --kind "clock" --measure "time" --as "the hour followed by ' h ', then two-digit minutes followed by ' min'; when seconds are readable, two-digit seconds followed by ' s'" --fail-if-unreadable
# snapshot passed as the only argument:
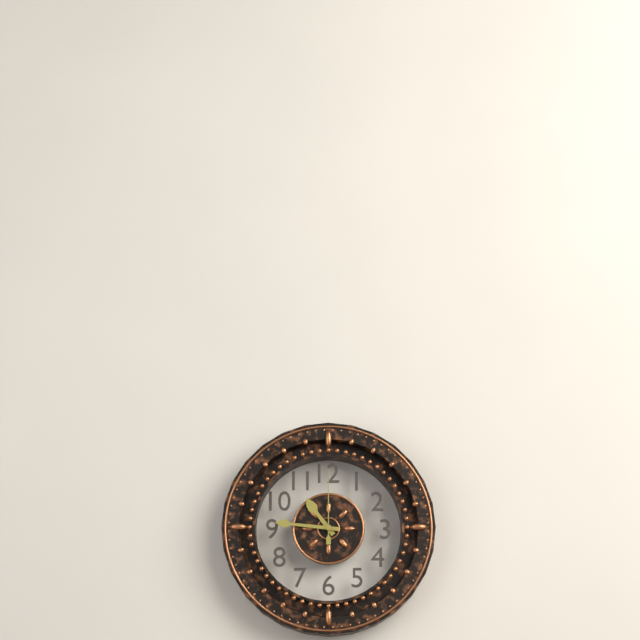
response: 10 h 46 min 00 s
